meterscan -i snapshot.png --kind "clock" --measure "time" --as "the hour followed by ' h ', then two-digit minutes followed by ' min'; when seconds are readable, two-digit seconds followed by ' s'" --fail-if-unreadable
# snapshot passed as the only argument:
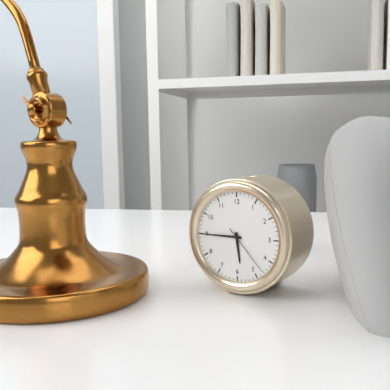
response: 5 h 45 min 23 s
